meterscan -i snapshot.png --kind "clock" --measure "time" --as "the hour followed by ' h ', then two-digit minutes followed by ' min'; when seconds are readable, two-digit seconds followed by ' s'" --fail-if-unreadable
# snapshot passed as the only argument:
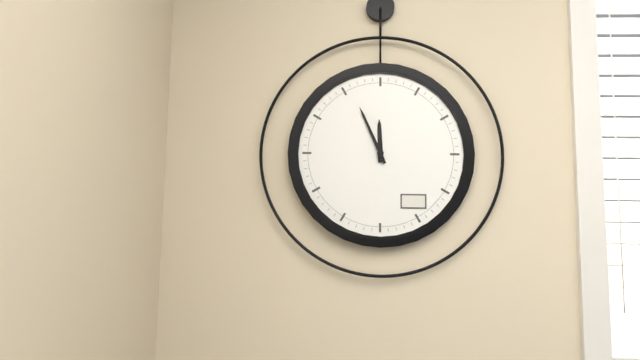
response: 11 h 56 min
